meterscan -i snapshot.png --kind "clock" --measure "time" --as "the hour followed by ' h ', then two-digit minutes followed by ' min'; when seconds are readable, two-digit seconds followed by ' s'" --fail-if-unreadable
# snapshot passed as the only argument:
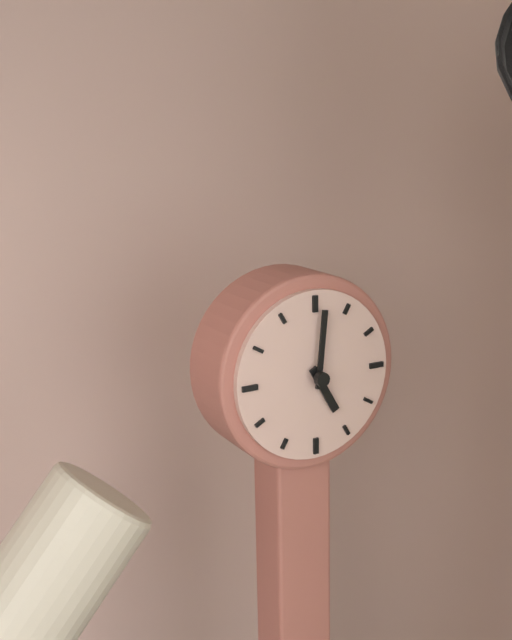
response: 5 h 01 min
